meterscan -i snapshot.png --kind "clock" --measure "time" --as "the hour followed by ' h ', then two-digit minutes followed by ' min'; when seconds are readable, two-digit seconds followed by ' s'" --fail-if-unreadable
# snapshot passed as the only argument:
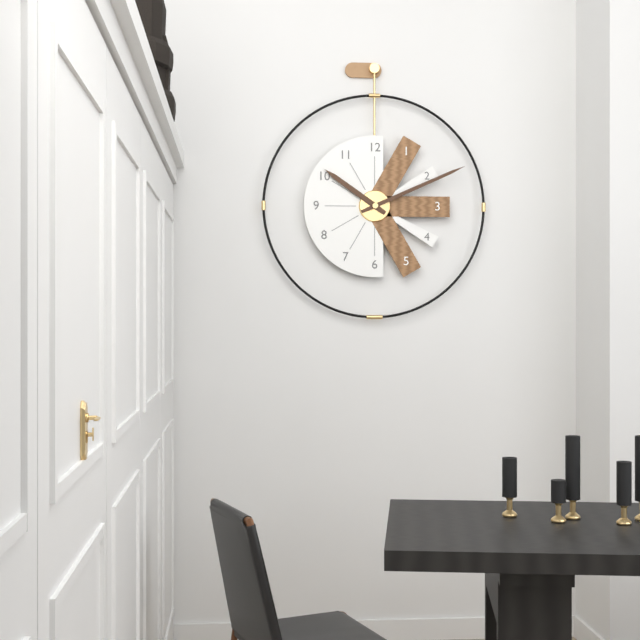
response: 10 h 11 min
